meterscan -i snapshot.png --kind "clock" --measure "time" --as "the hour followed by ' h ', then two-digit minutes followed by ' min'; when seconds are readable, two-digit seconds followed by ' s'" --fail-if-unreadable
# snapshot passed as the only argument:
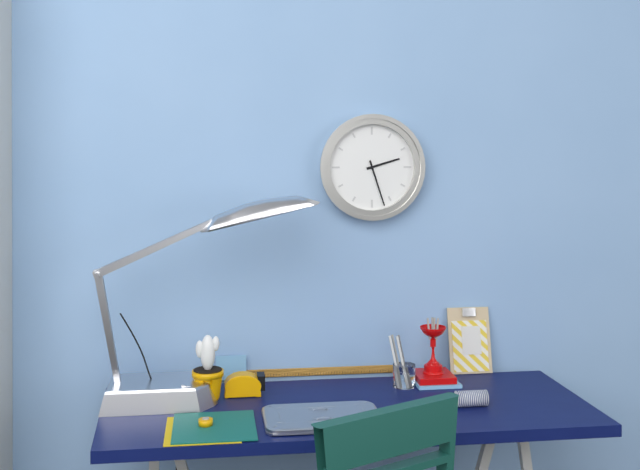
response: 2 h 27 min
